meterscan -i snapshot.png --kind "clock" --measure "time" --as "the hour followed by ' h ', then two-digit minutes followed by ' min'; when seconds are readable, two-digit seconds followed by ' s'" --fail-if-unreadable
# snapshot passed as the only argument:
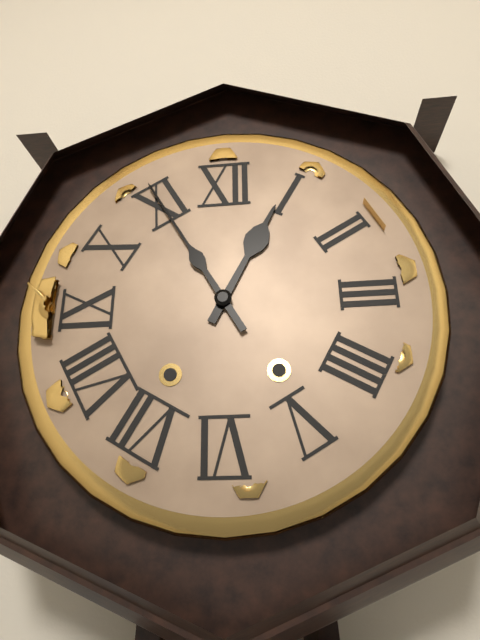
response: 12 h 55 min
